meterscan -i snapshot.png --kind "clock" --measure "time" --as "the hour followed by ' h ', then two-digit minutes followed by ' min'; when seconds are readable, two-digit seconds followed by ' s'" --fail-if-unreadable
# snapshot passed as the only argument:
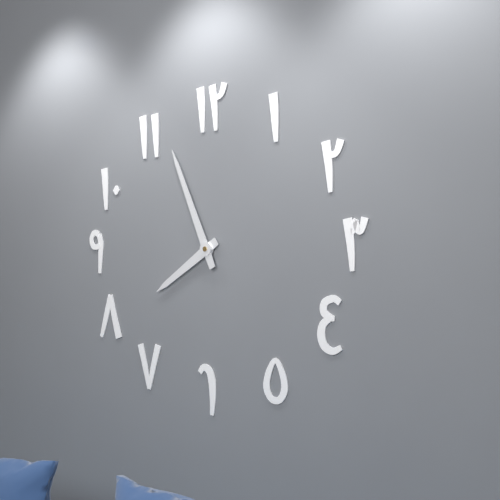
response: 7 h 56 min
